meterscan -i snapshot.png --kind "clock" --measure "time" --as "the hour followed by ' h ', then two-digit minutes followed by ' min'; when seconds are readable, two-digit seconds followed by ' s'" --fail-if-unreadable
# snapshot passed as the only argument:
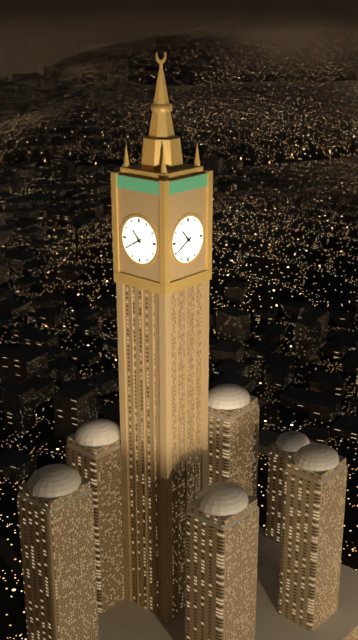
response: 10 h 40 min
